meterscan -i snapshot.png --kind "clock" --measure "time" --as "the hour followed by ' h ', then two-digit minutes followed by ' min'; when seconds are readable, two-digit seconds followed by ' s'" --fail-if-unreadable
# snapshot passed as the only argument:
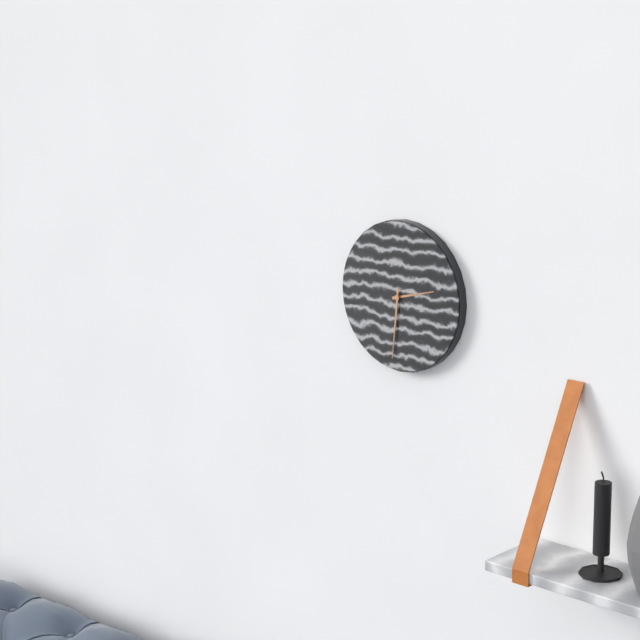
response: 2 h 31 min
